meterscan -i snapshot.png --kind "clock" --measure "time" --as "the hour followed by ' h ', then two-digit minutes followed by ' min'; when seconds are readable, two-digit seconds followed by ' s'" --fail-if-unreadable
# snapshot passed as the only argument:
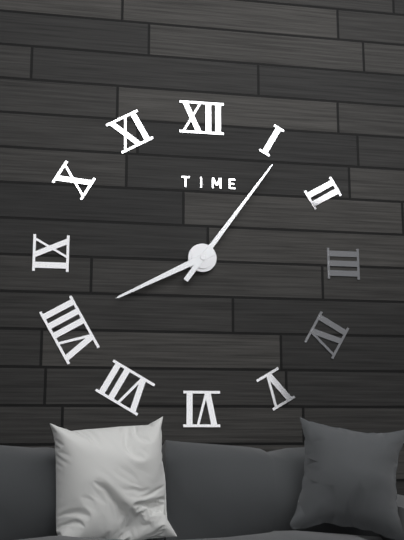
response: 8 h 06 min
